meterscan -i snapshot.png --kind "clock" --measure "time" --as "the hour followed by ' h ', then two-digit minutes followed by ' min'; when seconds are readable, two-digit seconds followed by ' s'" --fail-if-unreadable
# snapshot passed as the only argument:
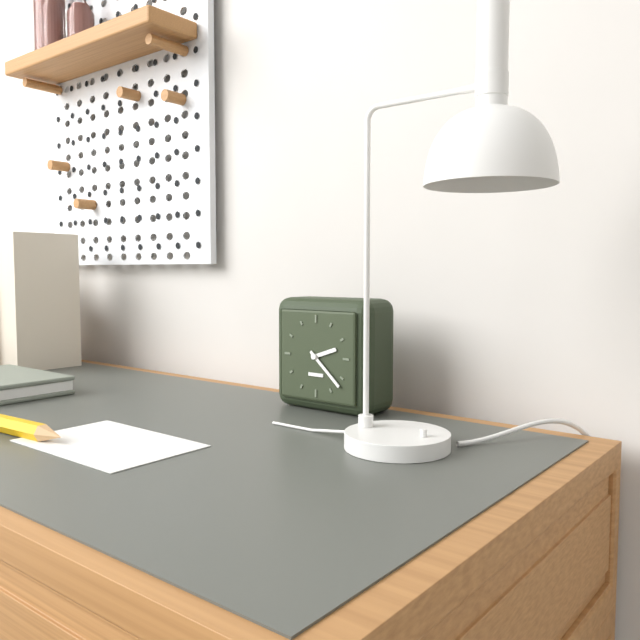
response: 2 h 22 min
